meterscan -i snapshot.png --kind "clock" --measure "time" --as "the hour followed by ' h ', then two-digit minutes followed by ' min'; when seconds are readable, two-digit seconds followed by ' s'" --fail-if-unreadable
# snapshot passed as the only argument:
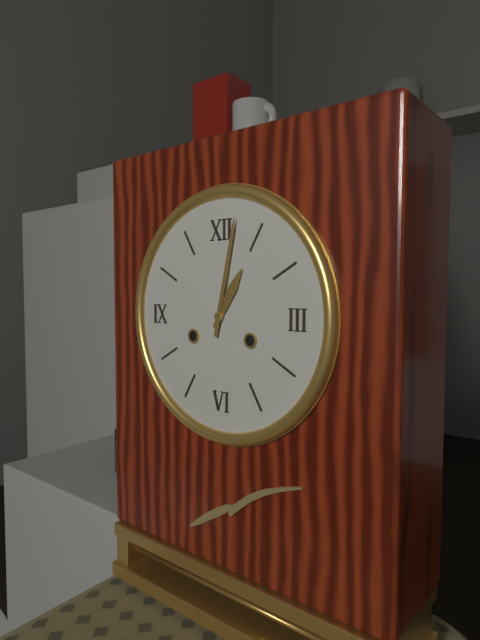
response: 1 h 02 min
